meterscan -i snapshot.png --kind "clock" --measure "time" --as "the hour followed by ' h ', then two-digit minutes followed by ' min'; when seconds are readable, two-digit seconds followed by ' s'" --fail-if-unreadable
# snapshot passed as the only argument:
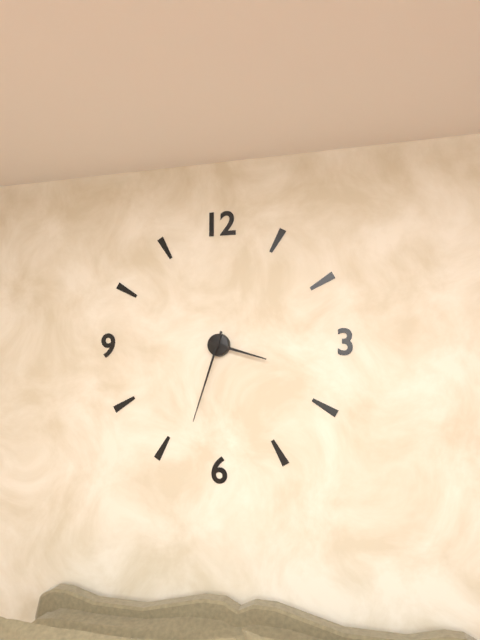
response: 3 h 33 min
